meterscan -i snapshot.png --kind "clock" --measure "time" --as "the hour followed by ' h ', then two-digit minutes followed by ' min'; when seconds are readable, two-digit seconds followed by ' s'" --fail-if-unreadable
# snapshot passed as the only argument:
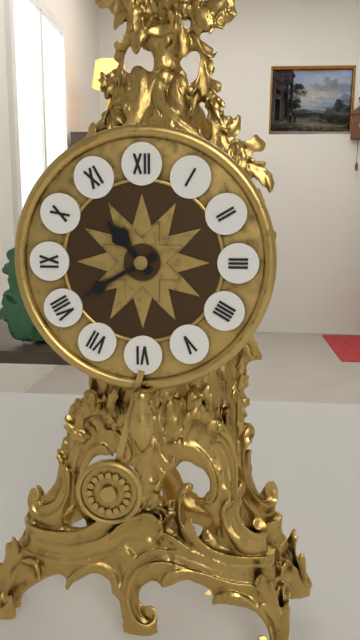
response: 10 h 40 min
